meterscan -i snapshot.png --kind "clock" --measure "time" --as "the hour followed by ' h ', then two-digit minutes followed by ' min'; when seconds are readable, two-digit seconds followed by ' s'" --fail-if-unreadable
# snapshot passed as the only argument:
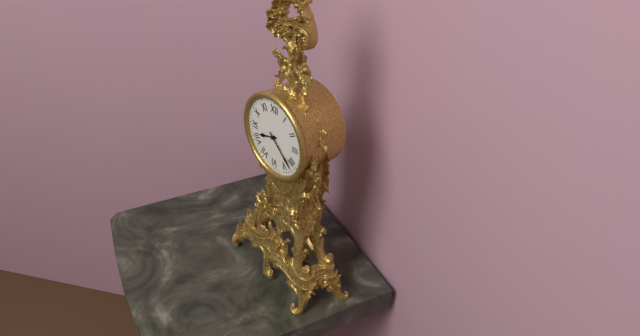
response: 8 h 22 min
